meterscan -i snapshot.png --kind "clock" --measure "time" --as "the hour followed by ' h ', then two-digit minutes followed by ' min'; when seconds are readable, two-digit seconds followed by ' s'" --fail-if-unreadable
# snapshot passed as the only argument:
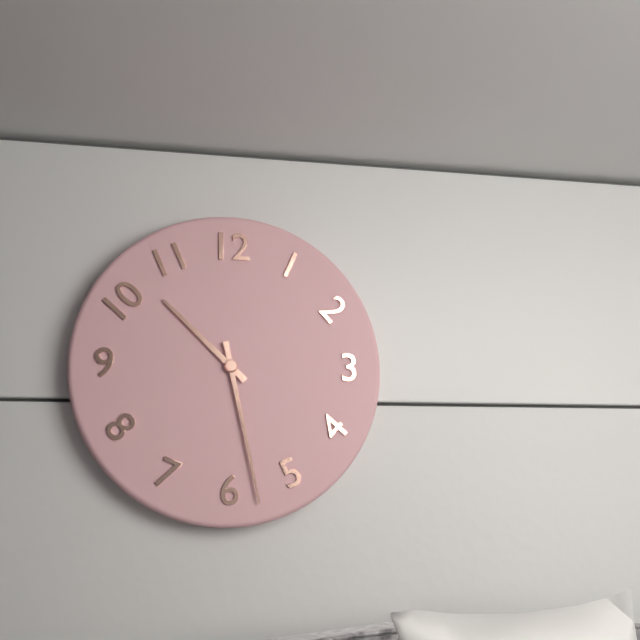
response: 10 h 28 min
